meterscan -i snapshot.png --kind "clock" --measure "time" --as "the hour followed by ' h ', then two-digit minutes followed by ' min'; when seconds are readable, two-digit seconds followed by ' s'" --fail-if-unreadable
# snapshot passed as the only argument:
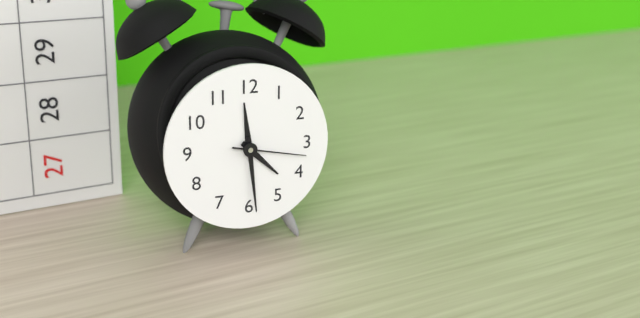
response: 4 h 29 min 17 s
